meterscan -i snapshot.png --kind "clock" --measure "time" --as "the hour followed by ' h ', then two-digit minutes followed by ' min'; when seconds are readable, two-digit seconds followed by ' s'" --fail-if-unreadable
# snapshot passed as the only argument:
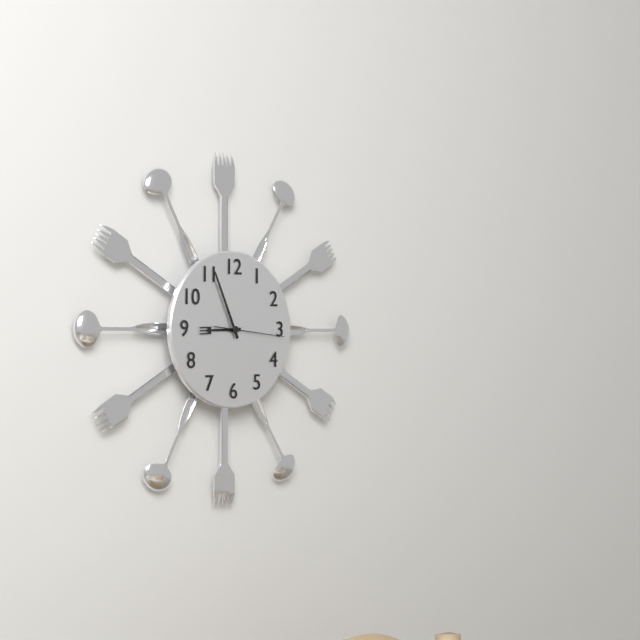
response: 8 h 56 min 16 s
